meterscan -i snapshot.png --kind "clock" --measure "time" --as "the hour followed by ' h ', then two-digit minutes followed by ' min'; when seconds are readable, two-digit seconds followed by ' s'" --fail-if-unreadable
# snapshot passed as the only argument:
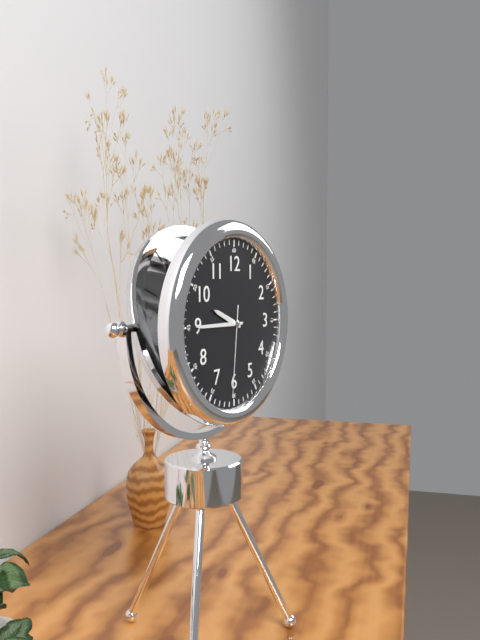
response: 9 h 45 min 31 s
